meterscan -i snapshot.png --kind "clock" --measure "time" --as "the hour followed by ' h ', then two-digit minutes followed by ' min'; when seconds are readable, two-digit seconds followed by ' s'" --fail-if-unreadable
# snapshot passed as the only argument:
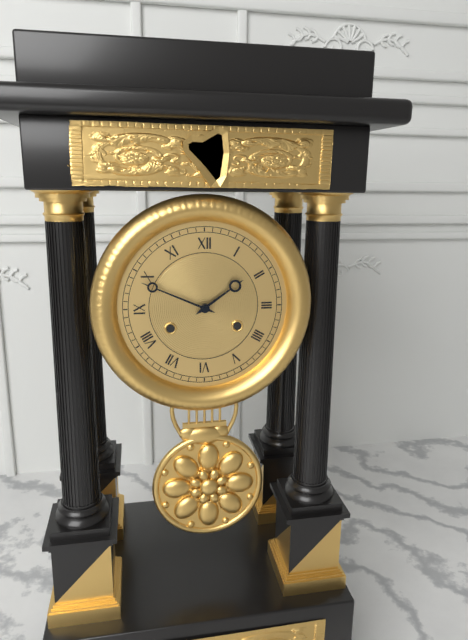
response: 1 h 49 min
